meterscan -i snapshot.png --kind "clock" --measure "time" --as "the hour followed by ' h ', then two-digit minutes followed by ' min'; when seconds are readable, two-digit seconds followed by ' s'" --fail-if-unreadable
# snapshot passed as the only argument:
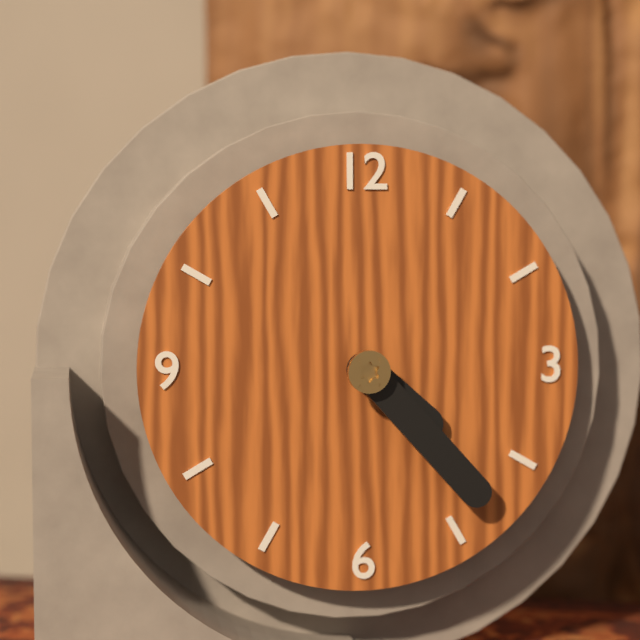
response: 4 h 23 min
